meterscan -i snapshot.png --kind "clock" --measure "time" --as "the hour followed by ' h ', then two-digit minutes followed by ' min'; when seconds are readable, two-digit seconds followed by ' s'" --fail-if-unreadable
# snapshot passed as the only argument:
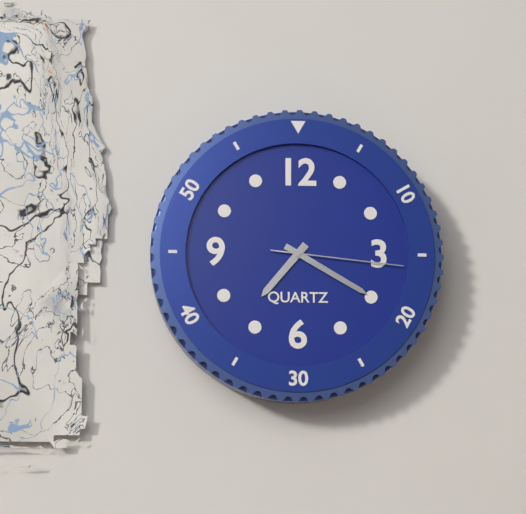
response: 7 h 20 min 16 s
